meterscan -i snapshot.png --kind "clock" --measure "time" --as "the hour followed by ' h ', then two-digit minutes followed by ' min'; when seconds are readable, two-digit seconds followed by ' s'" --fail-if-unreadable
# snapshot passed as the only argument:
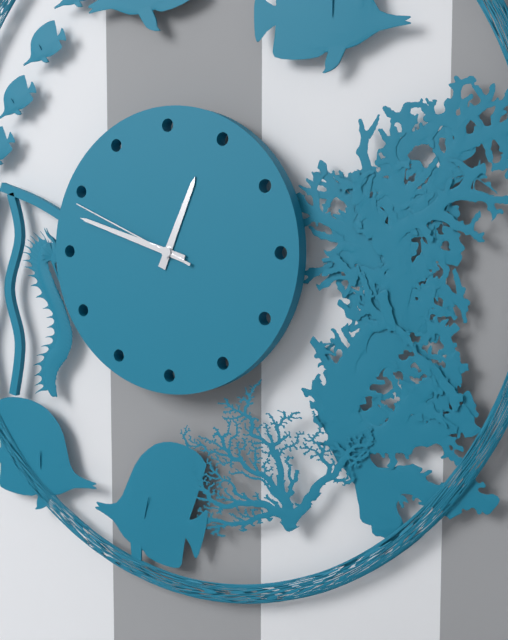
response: 12 h 48 min 49 s
